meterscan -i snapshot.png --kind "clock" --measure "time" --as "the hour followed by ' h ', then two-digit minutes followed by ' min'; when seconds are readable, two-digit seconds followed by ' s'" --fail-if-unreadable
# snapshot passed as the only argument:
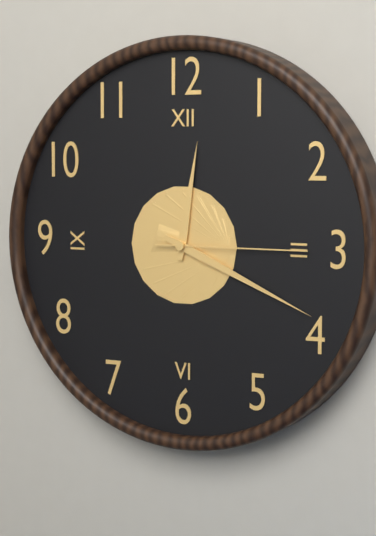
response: 12 h 19 min 15 s
